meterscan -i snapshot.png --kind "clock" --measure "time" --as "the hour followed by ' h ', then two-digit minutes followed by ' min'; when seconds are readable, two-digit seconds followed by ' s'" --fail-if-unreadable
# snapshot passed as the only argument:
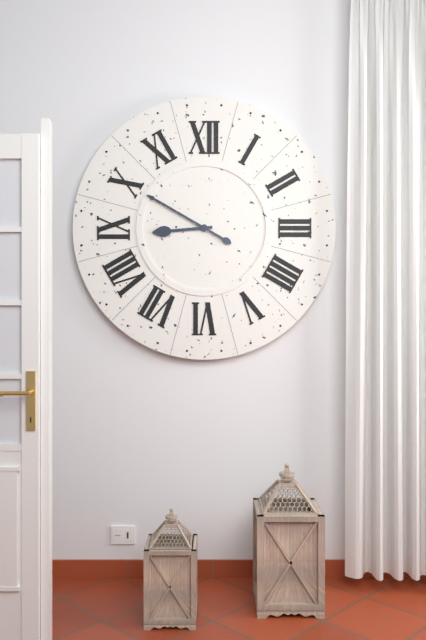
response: 8 h 50 min
